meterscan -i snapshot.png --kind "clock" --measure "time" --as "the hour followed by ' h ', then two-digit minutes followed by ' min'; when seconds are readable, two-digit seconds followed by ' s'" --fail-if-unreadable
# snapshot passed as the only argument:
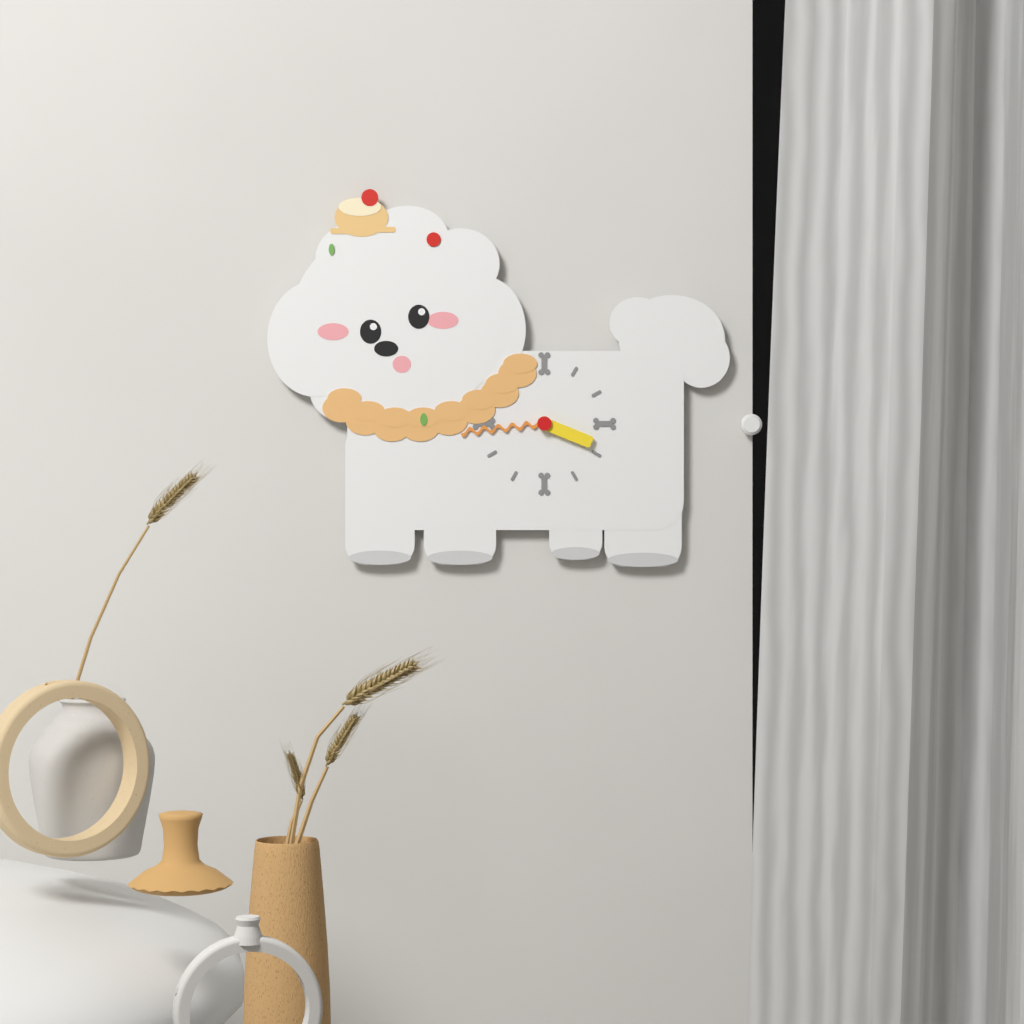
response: 3 h 44 min
